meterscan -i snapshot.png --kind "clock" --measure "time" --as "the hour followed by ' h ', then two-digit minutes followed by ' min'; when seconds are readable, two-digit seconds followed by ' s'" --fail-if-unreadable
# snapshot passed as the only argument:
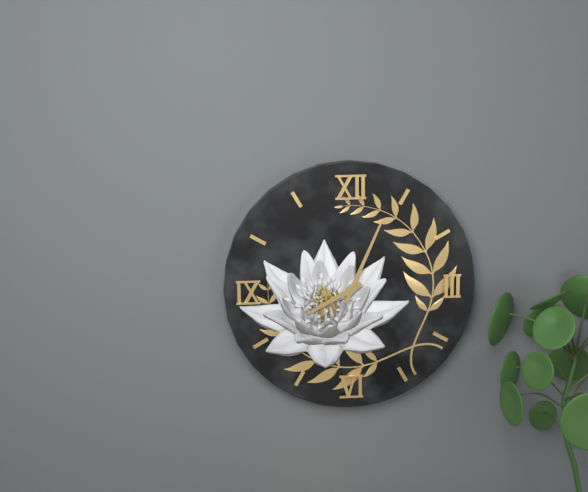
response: 8 h 04 min
